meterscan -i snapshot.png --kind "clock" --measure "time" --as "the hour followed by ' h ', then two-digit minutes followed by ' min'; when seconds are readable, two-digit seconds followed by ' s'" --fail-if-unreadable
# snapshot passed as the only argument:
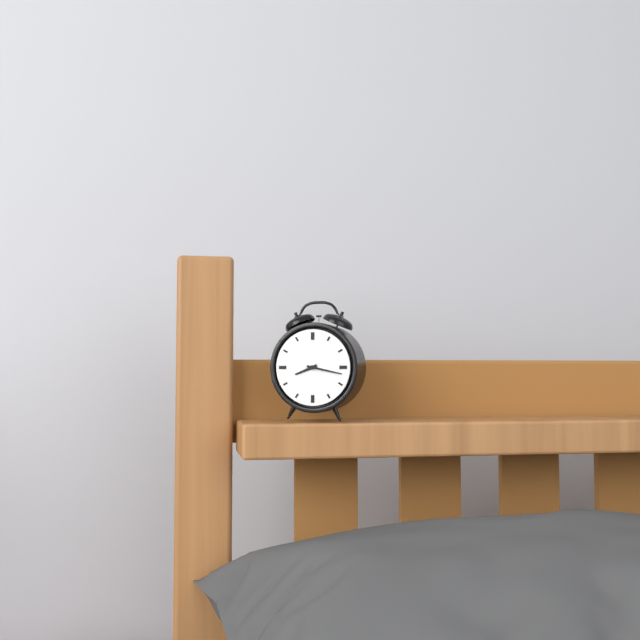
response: 8 h 17 min
